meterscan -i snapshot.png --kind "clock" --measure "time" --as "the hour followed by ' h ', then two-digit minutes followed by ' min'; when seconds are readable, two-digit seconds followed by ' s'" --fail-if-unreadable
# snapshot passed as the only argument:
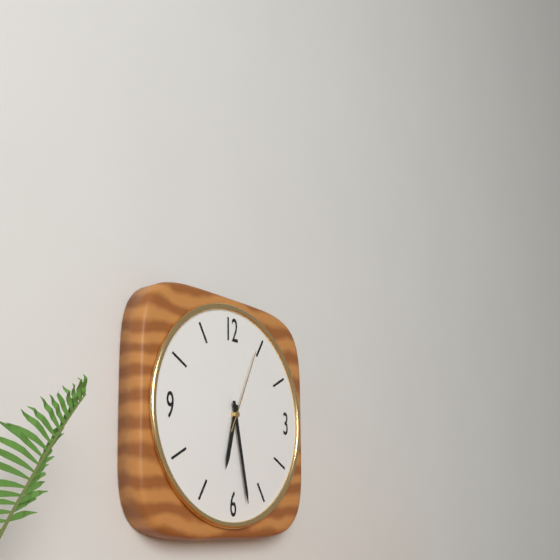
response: 6 h 28 min 04 s
